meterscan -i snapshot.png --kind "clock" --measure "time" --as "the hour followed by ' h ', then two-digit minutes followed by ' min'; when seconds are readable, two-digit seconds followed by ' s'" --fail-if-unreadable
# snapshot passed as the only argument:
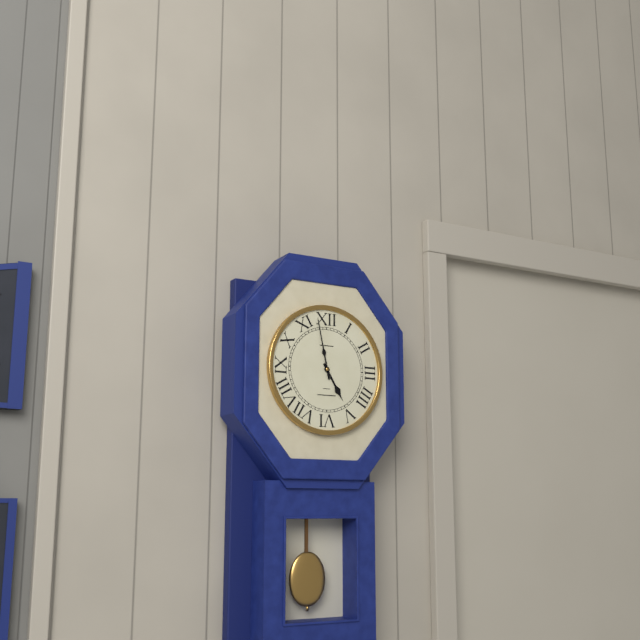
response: 4 h 58 min
